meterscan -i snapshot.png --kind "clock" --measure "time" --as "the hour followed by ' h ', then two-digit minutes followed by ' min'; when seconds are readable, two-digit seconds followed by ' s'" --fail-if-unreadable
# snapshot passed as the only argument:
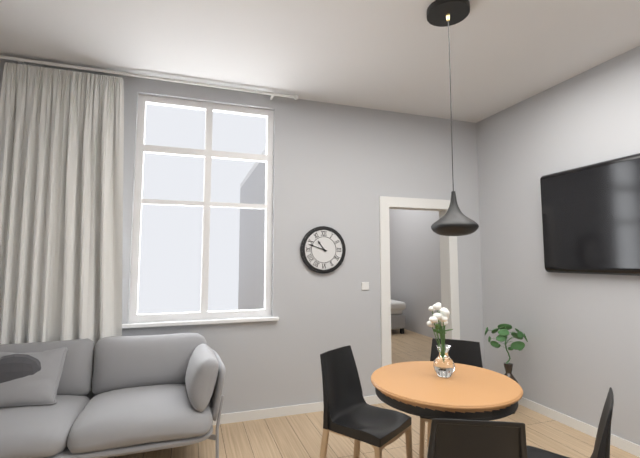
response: 10 h 48 min
